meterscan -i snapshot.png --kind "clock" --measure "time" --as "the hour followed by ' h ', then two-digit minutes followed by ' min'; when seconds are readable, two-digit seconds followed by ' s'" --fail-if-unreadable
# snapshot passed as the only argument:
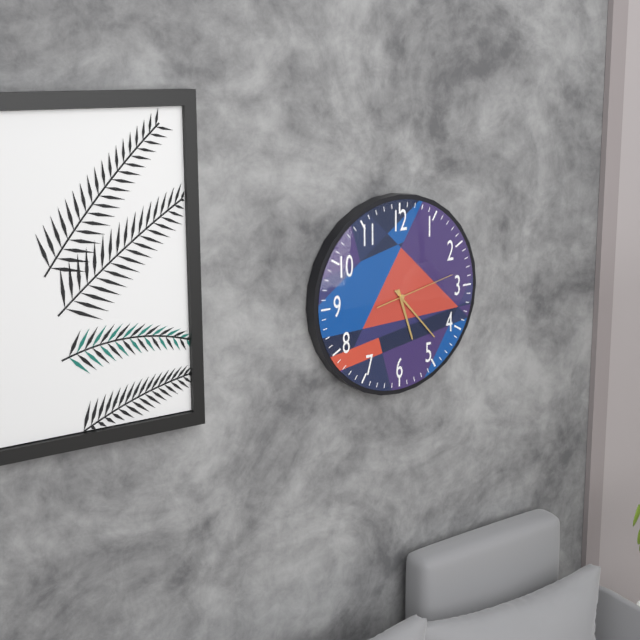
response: 5 h 23 min 13 s
